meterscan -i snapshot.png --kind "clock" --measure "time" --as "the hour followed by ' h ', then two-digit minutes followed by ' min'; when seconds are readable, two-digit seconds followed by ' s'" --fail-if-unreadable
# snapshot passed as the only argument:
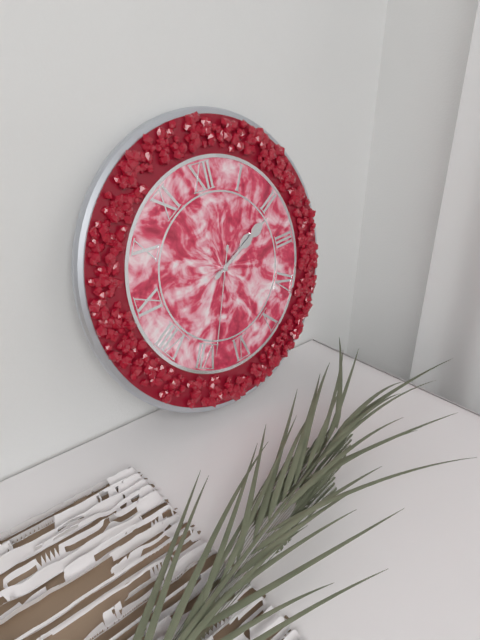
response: 2 h 11 min 34 s
